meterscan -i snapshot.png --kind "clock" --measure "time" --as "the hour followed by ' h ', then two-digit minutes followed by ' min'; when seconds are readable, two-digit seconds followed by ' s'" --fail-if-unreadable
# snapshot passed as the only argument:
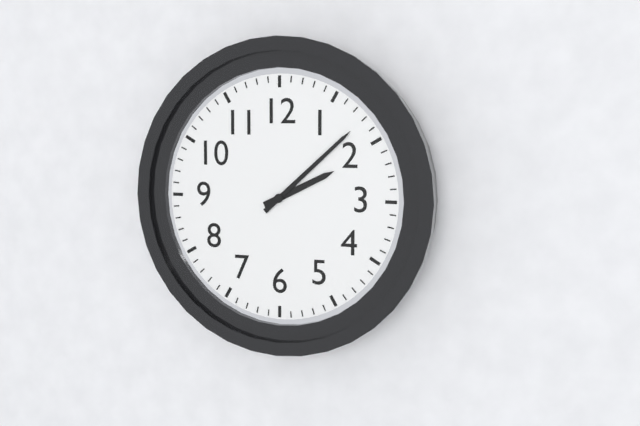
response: 2 h 08 min
